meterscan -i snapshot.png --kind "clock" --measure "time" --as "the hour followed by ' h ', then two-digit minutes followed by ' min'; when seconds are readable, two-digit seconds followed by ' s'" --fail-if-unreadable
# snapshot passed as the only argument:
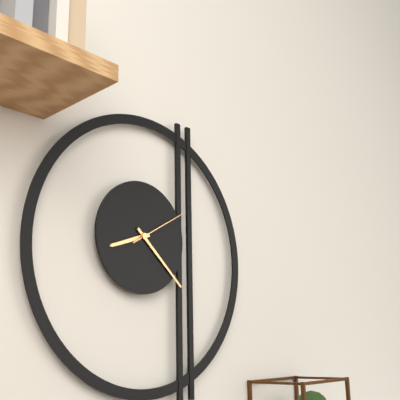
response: 8 h 22 min 10 s
